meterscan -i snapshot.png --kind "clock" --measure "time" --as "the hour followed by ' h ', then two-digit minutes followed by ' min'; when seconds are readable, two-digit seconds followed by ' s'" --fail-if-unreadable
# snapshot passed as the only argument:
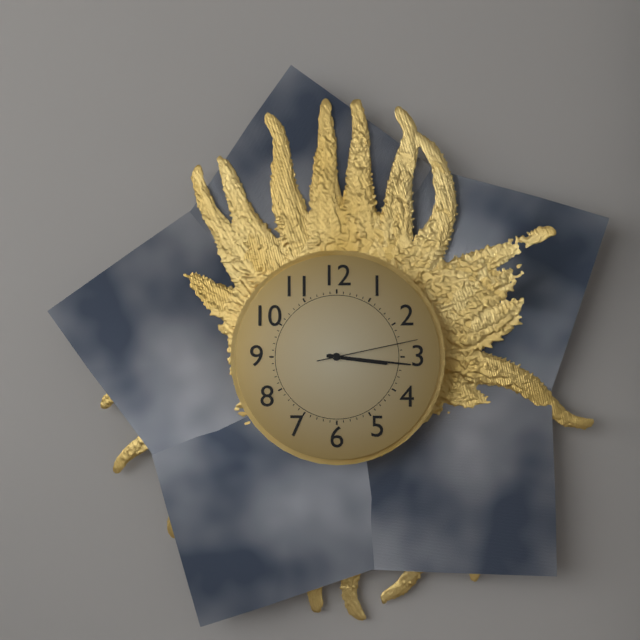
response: 3 h 16 min 13 s
